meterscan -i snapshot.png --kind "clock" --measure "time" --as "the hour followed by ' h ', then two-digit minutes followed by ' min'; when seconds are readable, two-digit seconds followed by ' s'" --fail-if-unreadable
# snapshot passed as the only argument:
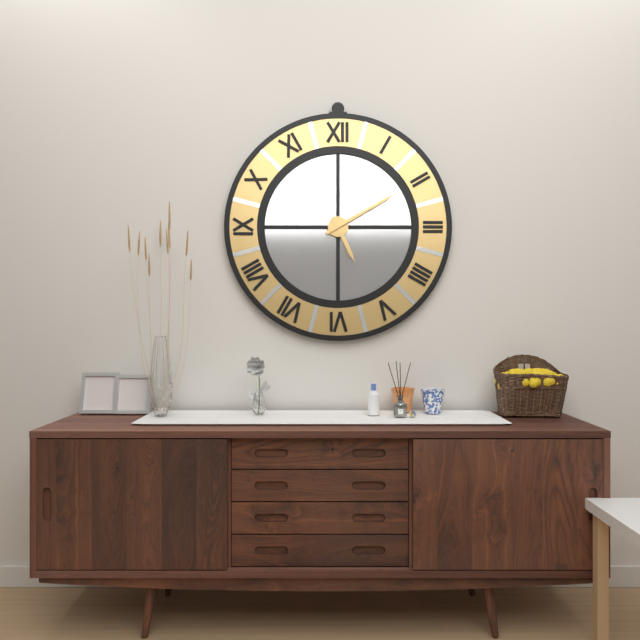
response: 5 h 10 min
